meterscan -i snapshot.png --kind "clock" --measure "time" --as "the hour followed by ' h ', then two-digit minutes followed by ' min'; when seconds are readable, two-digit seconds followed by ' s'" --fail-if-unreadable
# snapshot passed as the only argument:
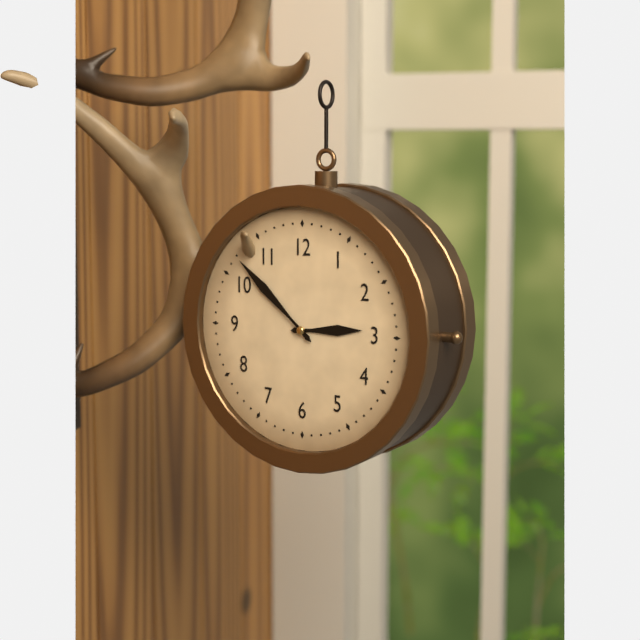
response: 2 h 52 min
